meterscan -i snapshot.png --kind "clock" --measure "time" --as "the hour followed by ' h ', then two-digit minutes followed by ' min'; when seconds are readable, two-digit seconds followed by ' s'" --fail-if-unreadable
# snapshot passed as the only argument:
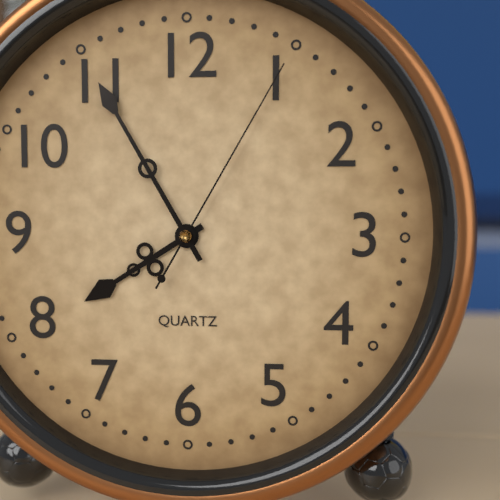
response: 7 h 55 min 05 s
